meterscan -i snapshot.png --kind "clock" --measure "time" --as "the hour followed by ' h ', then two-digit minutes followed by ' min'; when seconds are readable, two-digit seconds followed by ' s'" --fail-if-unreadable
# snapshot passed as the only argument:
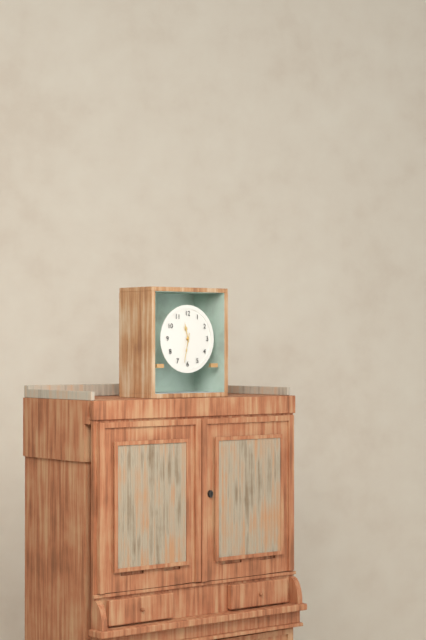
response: 11 h 32 min
